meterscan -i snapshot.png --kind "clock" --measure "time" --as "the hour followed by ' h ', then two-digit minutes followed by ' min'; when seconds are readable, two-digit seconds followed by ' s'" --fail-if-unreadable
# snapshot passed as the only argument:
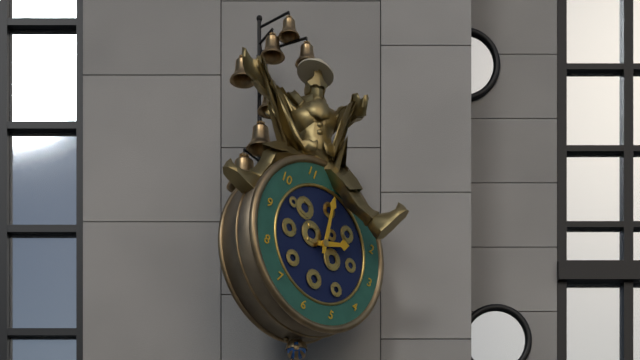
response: 1 h 59 min
